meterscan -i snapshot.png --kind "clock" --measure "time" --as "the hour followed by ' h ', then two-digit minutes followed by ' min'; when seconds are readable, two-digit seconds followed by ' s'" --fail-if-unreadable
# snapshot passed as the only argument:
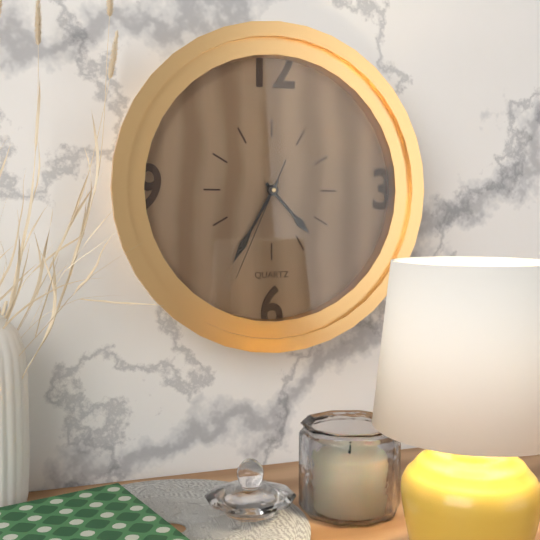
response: 4 h 35 min 34 s
